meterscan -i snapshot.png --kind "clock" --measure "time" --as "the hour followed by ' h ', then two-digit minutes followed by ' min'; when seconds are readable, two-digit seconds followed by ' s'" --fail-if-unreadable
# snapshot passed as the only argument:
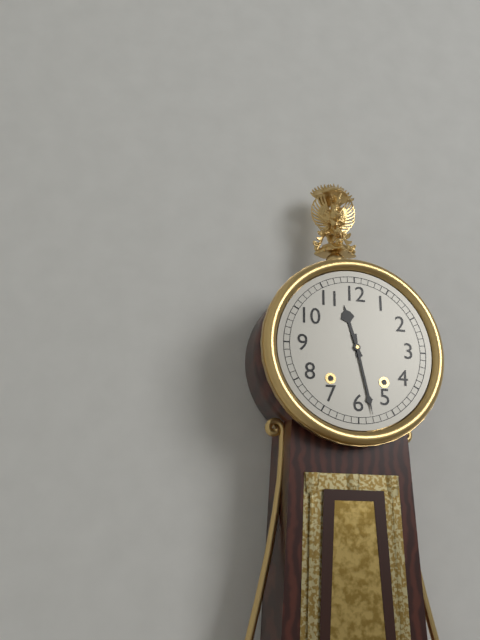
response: 11 h 28 min
